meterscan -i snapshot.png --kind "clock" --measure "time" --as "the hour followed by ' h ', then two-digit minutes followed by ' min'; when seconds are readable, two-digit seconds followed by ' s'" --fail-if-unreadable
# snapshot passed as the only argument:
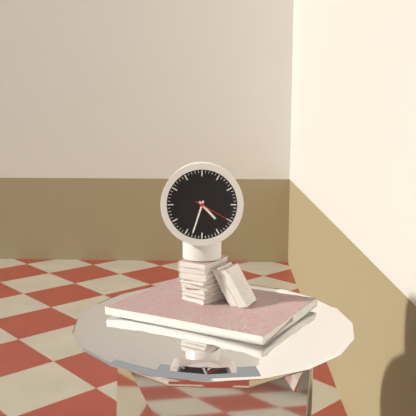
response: 4 h 33 min
